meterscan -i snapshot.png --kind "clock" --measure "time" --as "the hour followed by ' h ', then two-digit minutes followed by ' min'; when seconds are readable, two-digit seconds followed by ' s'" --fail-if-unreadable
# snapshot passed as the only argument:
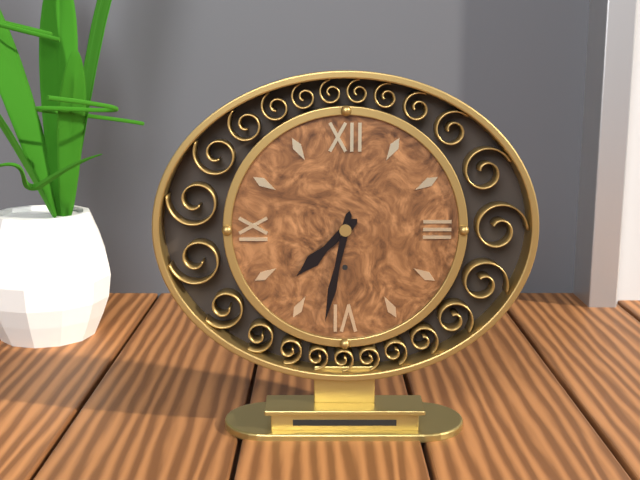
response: 7 h 32 min
